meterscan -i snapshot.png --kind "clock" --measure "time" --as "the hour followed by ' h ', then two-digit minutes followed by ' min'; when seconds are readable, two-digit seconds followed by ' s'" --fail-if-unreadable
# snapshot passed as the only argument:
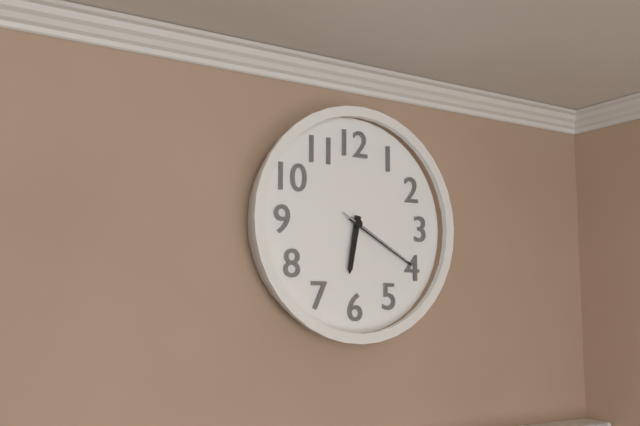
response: 6 h 20 min 20 s
